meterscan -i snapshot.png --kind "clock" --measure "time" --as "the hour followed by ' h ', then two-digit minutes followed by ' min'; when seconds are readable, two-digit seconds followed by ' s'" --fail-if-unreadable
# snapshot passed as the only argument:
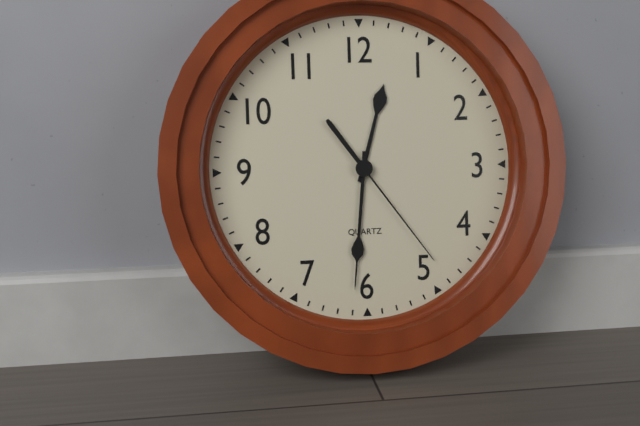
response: 12 h 31 min 24 s
